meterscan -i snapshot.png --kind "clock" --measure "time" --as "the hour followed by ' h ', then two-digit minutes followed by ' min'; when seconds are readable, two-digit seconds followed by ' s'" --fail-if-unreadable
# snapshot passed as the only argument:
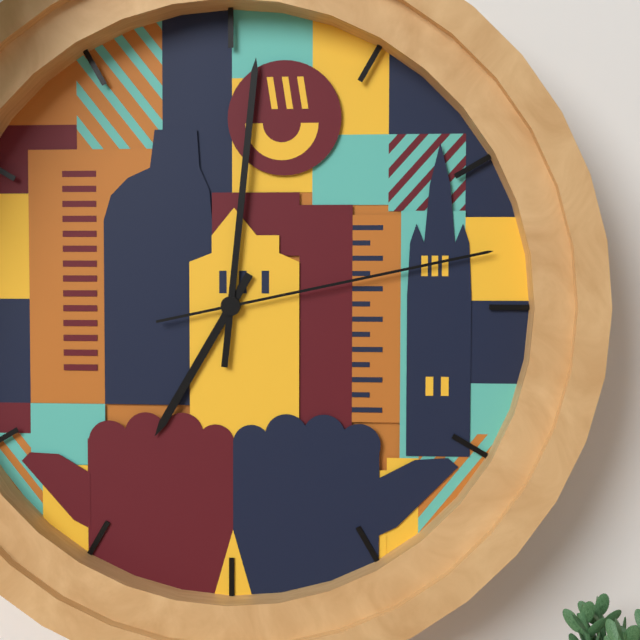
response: 7 h 01 min 13 s
